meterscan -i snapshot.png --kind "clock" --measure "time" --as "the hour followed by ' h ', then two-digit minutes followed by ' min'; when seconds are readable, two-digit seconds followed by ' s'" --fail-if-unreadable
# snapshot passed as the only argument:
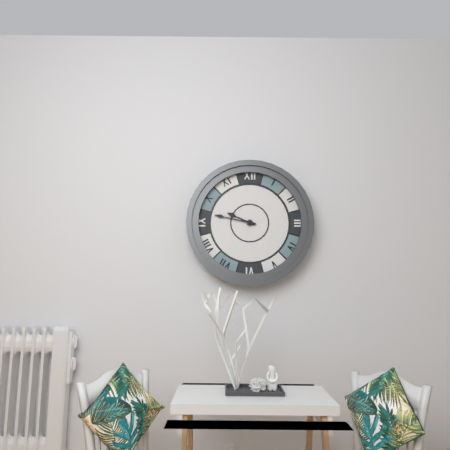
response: 9 h 47 min
